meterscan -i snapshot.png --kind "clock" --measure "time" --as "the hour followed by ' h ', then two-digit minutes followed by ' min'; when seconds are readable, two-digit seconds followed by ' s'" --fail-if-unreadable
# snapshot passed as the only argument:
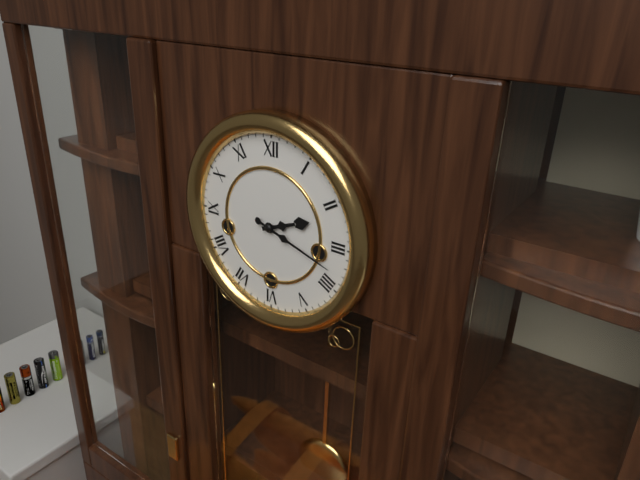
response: 2 h 18 min
